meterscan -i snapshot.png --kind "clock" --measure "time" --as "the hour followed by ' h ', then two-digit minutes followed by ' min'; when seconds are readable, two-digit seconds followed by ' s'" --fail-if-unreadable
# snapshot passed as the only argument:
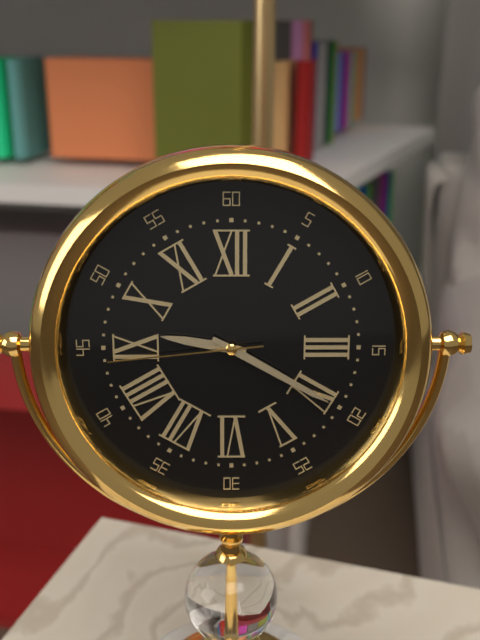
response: 9 h 20 min 44 s
